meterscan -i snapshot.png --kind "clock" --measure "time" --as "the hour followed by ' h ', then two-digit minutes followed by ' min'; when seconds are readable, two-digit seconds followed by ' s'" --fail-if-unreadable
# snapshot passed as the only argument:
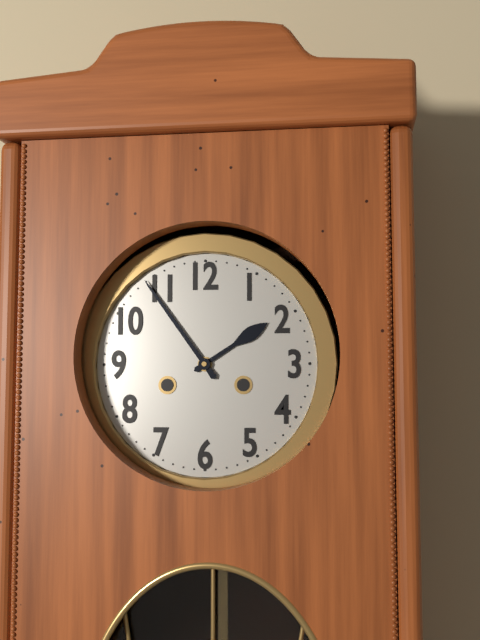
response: 1 h 54 min
